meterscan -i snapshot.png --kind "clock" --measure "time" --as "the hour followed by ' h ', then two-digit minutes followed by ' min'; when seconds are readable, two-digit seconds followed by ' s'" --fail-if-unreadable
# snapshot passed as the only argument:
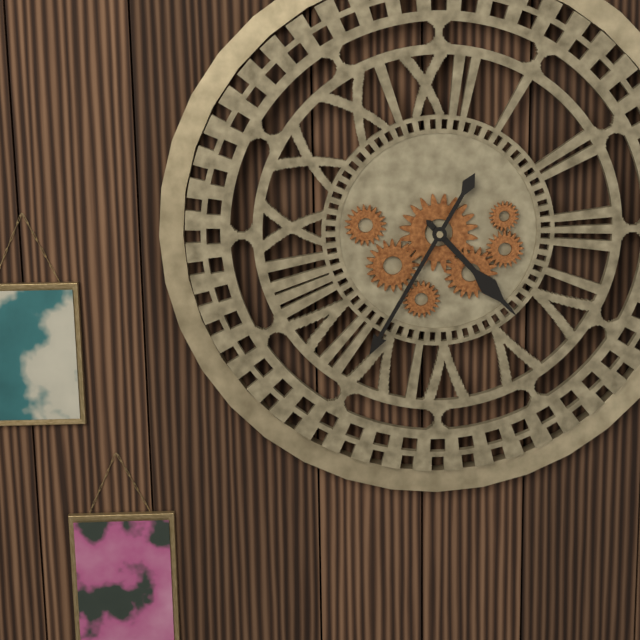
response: 4 h 35 min
